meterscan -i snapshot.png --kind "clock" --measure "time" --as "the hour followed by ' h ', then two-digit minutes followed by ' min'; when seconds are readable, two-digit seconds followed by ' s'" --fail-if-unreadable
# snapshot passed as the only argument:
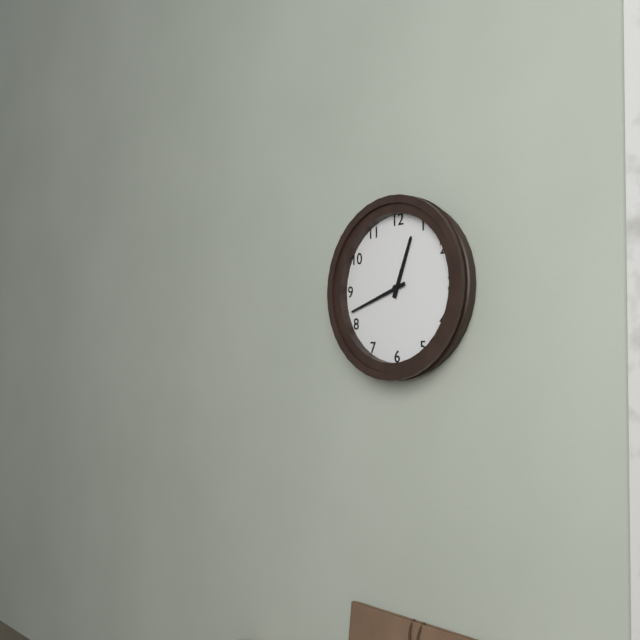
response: 12 h 42 min
